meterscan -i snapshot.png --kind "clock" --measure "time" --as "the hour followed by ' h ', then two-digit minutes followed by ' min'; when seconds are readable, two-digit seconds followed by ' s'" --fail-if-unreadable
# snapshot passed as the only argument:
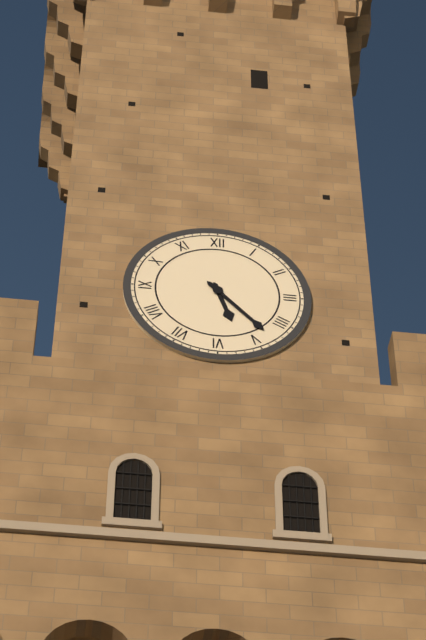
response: 5 h 23 min
